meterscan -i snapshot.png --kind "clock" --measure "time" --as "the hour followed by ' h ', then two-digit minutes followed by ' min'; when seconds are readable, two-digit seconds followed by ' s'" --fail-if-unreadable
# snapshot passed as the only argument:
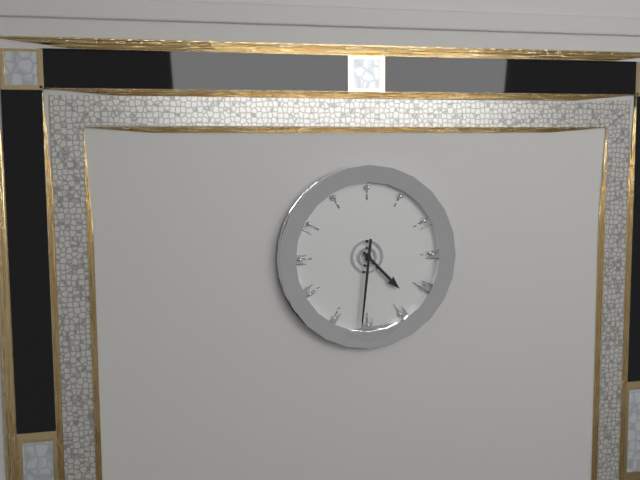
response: 4 h 31 min
